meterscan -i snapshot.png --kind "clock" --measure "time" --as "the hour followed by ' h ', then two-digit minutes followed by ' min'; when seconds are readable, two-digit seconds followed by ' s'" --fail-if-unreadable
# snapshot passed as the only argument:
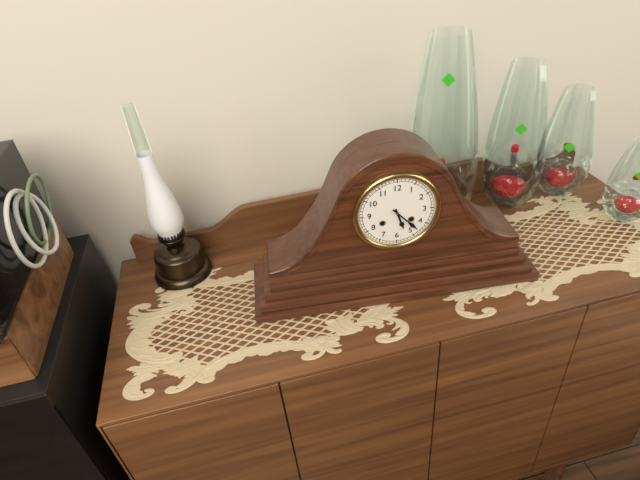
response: 5 h 23 min
